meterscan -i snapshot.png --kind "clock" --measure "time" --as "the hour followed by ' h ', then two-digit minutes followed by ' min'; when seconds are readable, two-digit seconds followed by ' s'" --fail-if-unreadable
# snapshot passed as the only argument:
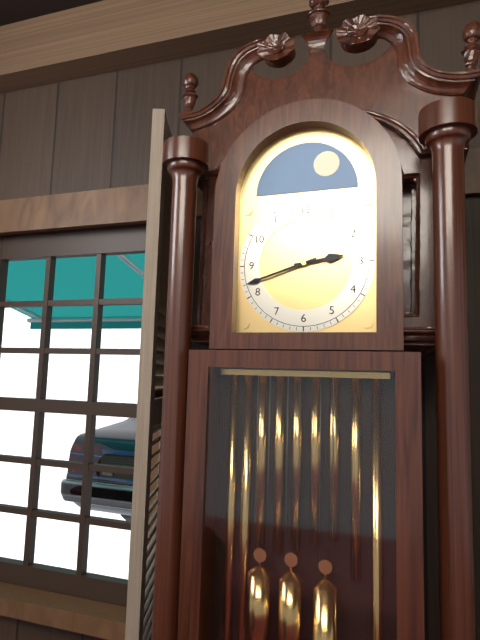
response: 2 h 42 min
